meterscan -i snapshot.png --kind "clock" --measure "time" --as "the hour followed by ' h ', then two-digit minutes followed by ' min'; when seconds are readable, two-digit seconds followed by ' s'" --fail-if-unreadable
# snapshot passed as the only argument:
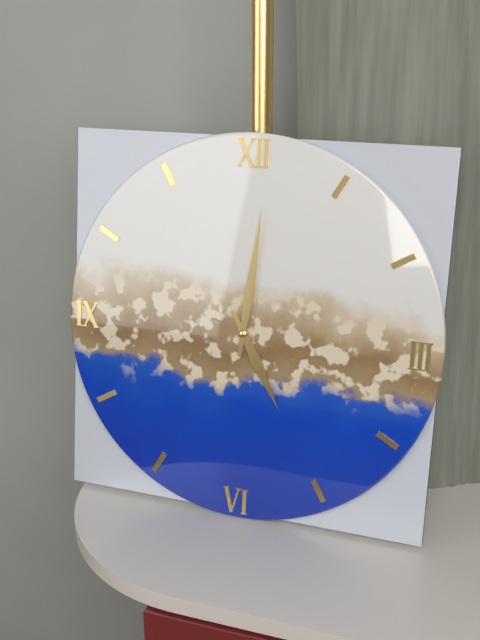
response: 5 h 01 min
